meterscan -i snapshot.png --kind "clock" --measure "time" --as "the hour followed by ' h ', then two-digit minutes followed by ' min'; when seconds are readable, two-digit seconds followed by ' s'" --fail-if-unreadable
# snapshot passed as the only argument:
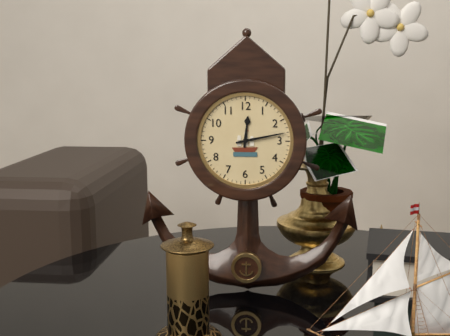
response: 12 h 13 min
